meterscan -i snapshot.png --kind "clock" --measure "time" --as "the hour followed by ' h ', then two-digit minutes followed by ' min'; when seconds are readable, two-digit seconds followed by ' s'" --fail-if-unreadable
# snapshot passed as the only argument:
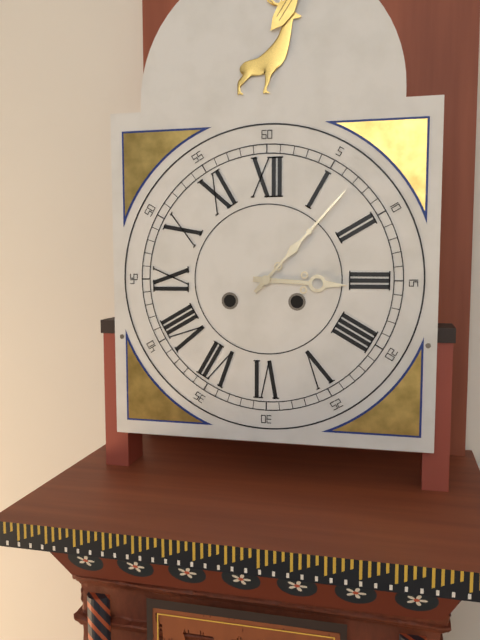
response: 3 h 07 min
